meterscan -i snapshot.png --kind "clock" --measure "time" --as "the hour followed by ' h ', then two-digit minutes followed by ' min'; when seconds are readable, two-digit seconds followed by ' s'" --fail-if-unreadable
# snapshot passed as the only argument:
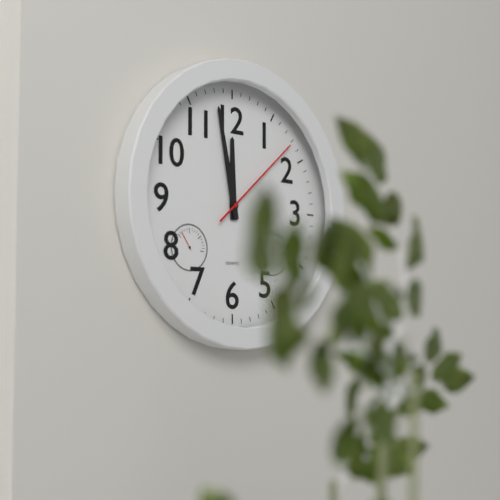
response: 11 h 58 min 08 s
